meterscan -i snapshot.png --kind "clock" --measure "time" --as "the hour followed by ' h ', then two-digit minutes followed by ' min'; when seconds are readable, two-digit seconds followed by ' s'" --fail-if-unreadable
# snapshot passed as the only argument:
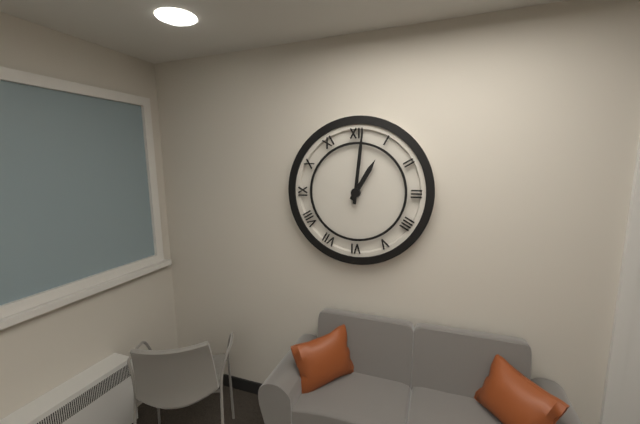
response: 1 h 01 min
